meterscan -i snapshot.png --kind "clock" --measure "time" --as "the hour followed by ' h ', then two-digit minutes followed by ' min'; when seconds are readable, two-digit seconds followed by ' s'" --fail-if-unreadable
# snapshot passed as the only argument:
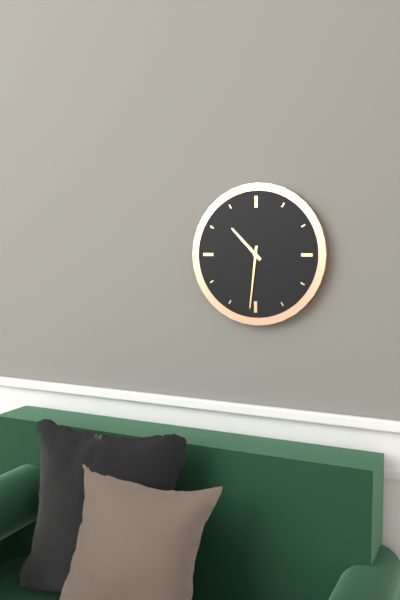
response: 10 h 31 min
